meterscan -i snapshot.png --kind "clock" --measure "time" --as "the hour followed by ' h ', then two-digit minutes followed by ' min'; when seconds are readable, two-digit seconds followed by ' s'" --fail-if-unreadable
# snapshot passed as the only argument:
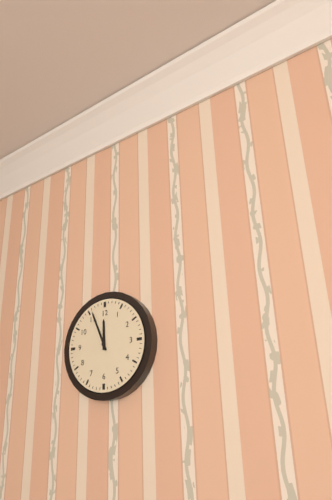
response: 11 h 56 min
